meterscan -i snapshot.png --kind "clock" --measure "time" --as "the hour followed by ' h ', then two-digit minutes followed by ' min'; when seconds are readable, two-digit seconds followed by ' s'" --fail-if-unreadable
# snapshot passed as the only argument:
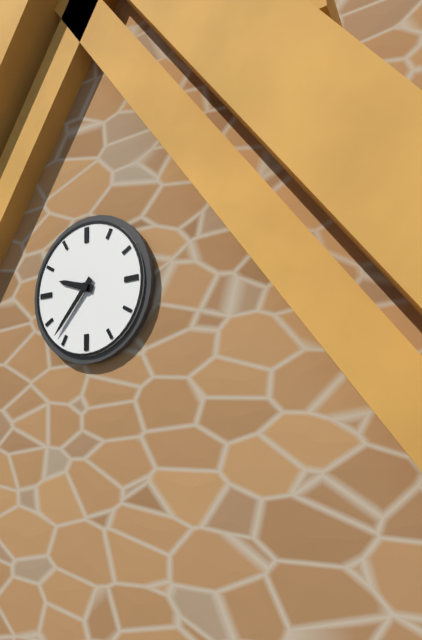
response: 9 h 37 min
